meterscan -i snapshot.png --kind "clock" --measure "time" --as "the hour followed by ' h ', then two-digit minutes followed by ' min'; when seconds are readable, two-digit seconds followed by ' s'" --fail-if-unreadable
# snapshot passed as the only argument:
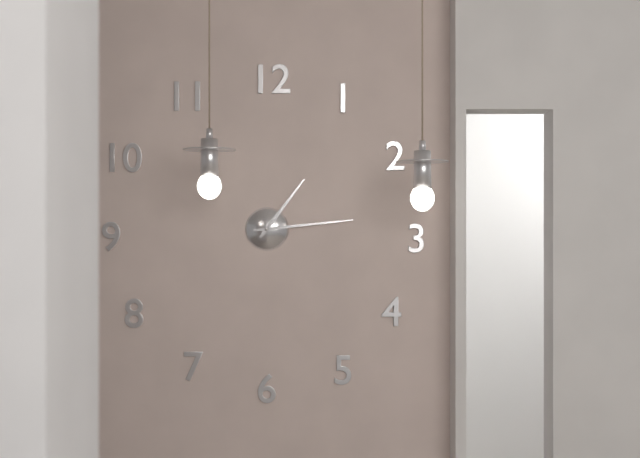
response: 1 h 14 min
